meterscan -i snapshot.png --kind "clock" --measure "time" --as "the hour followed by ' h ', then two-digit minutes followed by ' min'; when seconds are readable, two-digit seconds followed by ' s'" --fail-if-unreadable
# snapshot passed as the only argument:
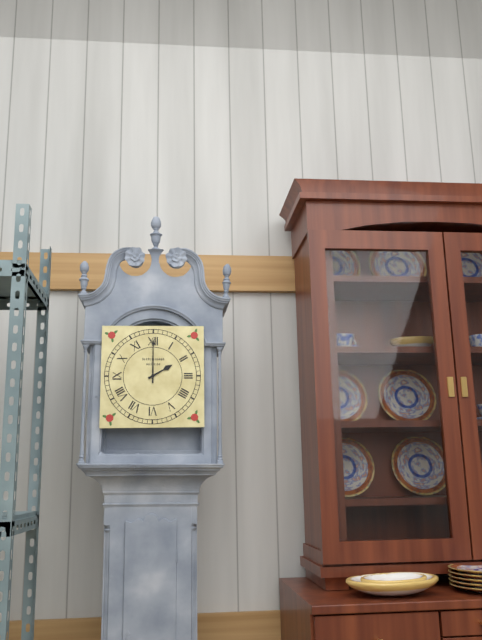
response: 2 h 00 min
